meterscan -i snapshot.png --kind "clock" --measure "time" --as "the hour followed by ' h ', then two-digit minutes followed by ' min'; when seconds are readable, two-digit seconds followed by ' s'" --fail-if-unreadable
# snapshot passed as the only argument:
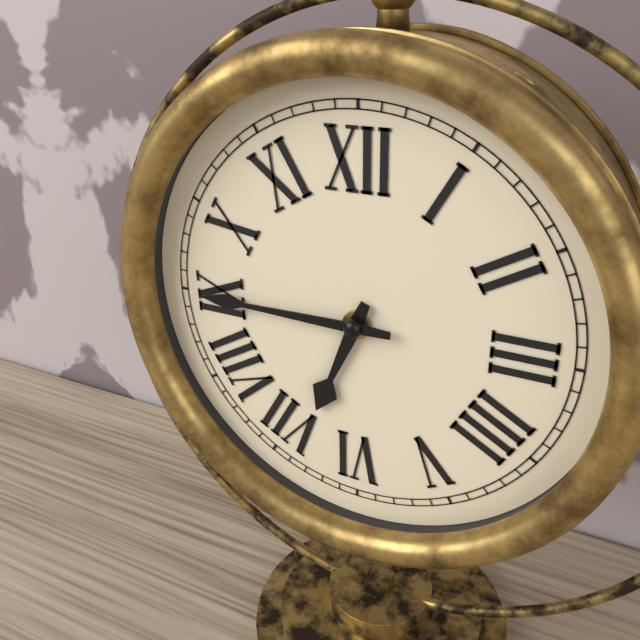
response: 6 h 45 min
